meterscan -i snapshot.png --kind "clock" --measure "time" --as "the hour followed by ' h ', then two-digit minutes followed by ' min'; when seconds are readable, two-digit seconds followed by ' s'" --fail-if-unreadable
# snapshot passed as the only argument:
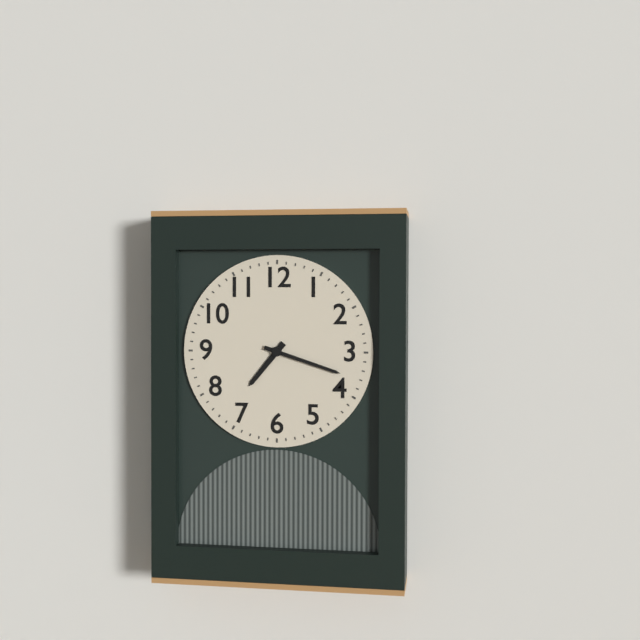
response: 7 h 18 min
